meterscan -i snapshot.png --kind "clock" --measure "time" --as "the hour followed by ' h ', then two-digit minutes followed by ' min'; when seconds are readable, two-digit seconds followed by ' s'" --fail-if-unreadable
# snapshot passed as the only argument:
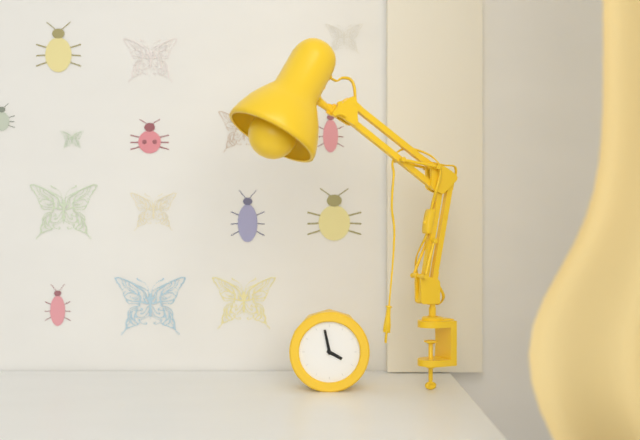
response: 3 h 58 min
